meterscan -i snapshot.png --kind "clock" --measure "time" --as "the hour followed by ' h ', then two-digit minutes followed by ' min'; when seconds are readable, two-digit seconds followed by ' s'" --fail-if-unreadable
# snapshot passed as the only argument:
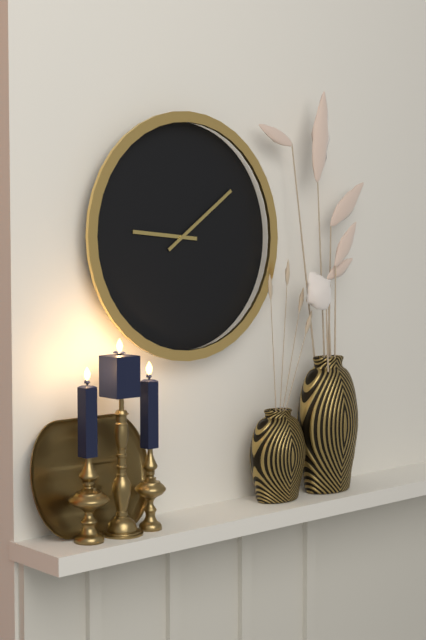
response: 9 h 09 min
